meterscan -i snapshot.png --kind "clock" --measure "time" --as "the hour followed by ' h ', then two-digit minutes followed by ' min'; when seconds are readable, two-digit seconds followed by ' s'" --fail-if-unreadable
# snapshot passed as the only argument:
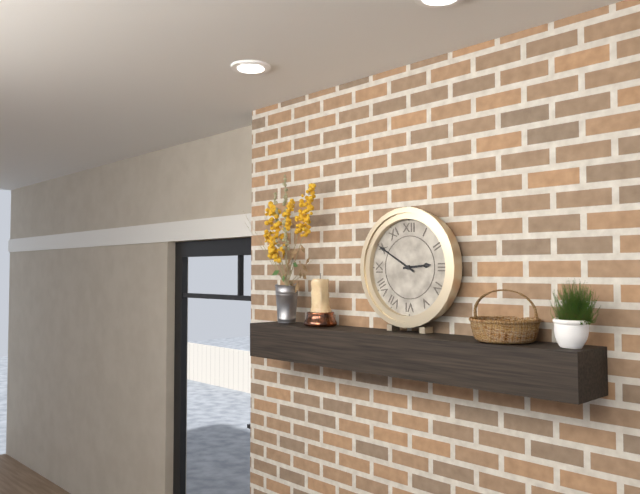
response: 2 h 50 min
